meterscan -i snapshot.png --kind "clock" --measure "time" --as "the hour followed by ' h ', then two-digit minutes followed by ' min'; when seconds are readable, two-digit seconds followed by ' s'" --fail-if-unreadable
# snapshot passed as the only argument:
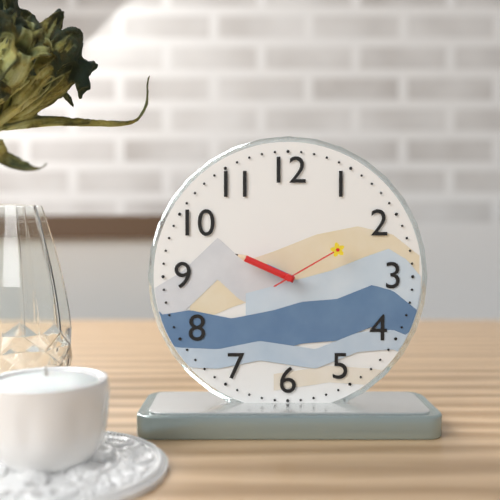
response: 9 h 49 min 10 s
